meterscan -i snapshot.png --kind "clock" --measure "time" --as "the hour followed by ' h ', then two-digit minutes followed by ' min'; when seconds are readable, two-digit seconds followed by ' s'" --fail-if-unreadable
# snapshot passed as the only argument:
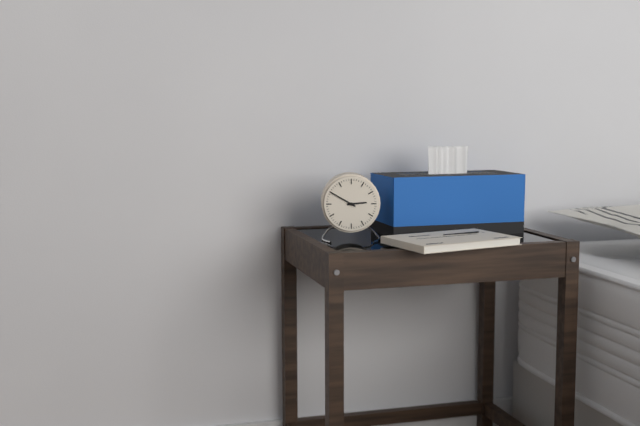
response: 2 h 50 min
